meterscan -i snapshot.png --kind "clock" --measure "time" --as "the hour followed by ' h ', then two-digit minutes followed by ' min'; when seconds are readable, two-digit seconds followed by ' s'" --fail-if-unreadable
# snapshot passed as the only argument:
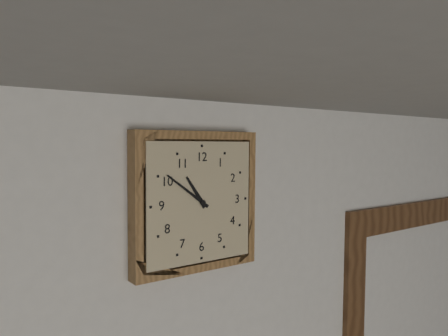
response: 10 h 51 min
